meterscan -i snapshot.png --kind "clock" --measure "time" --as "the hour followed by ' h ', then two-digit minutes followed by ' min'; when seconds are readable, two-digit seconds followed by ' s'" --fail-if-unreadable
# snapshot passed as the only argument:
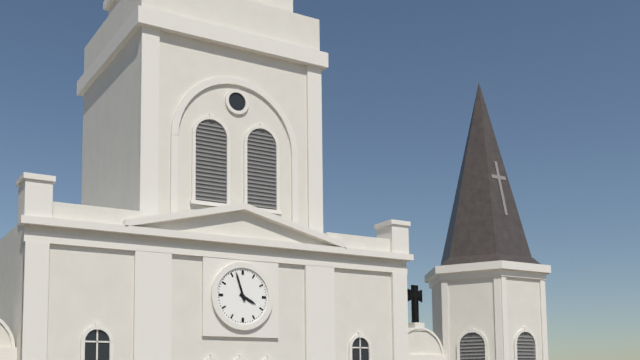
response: 3 h 57 min
